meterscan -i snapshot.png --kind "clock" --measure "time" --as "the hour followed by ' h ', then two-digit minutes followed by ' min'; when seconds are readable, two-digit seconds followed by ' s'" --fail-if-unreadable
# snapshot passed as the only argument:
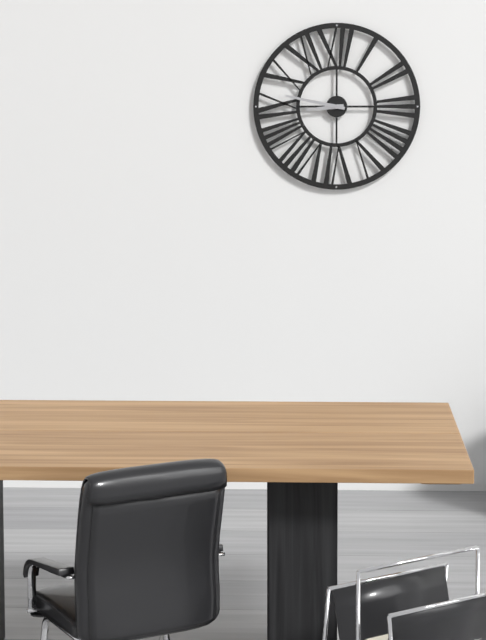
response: 8 h 47 min
